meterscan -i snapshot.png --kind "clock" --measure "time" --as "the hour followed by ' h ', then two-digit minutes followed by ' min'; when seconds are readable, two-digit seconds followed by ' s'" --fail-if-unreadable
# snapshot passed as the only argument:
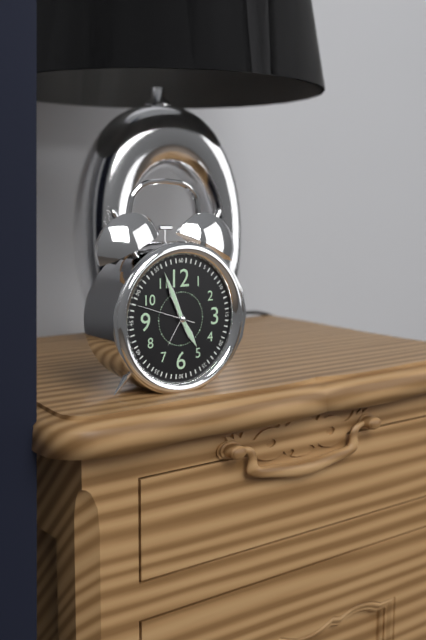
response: 4 h 56 min 48 s
